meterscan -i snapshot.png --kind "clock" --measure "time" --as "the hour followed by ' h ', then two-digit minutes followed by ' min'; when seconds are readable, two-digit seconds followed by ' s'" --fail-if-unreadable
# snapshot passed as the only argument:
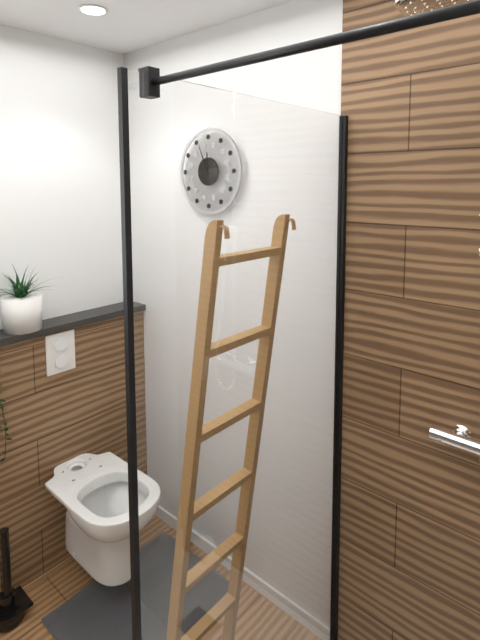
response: 11 h 56 min
